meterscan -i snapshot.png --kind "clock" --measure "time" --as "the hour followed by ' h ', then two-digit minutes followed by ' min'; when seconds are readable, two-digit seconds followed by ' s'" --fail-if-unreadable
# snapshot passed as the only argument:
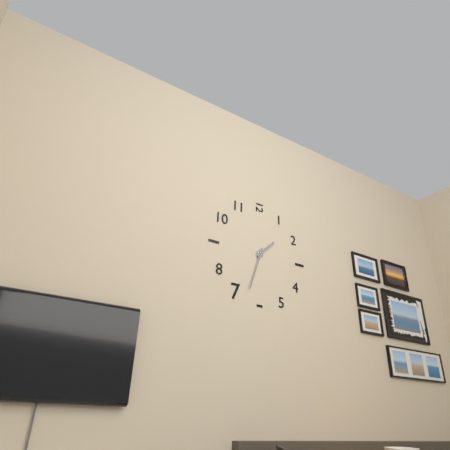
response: 1 h 33 min
